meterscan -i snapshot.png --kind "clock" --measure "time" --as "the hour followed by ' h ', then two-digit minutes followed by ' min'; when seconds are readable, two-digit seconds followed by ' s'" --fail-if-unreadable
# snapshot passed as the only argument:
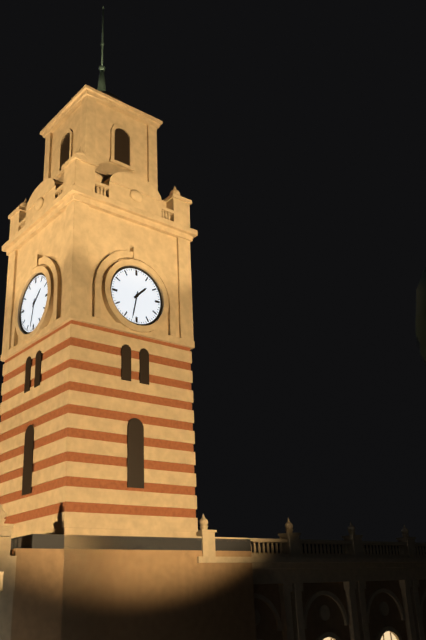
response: 1 h 32 min
